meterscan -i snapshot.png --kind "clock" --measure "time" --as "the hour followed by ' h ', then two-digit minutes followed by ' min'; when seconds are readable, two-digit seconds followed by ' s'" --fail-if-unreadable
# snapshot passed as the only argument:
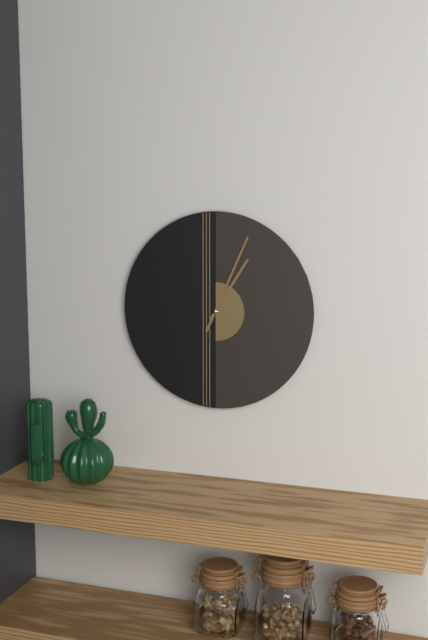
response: 1 h 04 min
